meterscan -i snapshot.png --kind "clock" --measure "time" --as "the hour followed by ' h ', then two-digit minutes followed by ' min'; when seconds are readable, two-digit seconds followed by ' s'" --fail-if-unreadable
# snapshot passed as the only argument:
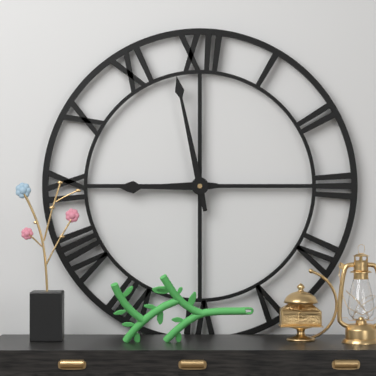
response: 8 h 58 min
